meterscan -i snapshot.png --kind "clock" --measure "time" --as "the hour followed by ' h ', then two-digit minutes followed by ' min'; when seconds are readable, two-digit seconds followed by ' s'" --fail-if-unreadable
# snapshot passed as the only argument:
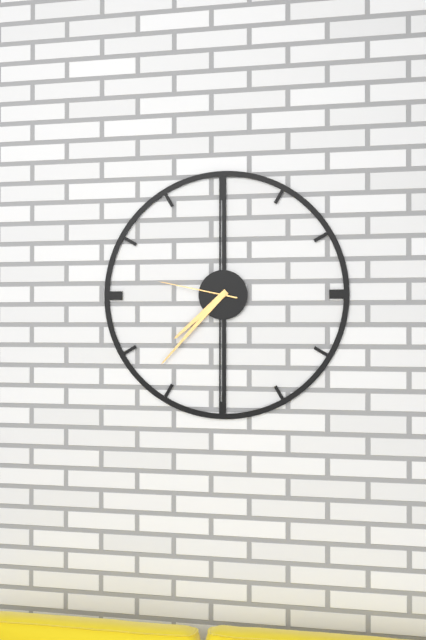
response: 7 h 37 min 47 s
